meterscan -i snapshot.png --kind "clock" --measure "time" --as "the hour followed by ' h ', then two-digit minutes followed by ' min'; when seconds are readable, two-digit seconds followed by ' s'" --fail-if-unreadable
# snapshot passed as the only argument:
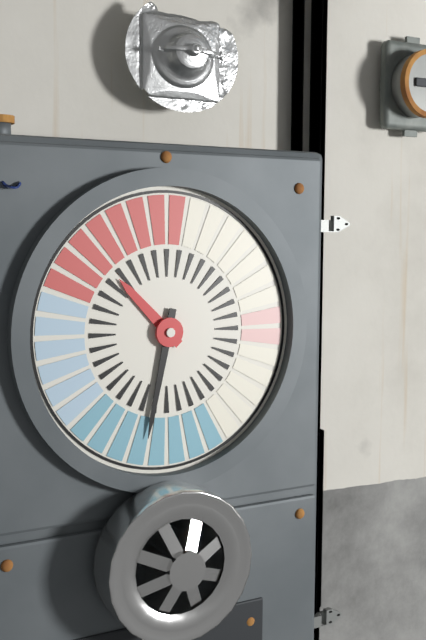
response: 10 h 32 min
